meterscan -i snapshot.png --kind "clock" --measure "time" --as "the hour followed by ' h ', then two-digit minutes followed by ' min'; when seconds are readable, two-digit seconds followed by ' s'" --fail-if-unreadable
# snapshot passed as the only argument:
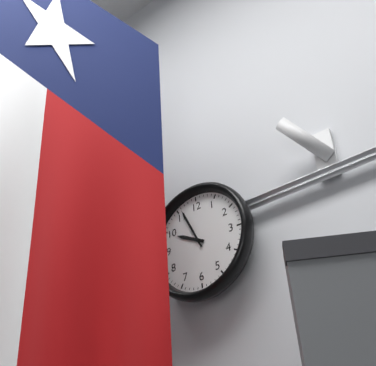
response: 9 h 56 min
